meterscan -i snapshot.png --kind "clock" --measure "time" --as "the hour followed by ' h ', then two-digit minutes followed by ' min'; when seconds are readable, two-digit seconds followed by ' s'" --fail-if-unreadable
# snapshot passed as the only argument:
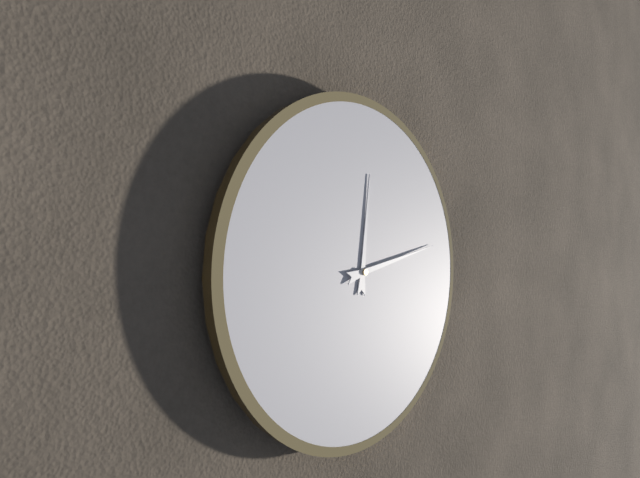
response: 12 h 13 min
